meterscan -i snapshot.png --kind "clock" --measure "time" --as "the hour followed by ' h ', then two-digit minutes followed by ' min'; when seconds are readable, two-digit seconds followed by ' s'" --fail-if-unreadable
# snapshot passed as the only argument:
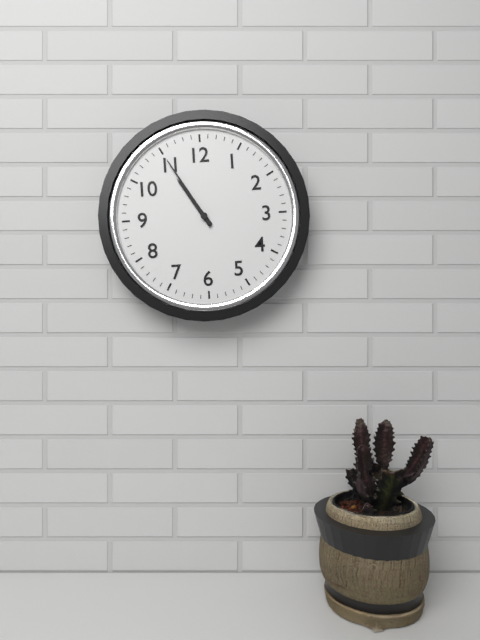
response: 10 h 55 min
